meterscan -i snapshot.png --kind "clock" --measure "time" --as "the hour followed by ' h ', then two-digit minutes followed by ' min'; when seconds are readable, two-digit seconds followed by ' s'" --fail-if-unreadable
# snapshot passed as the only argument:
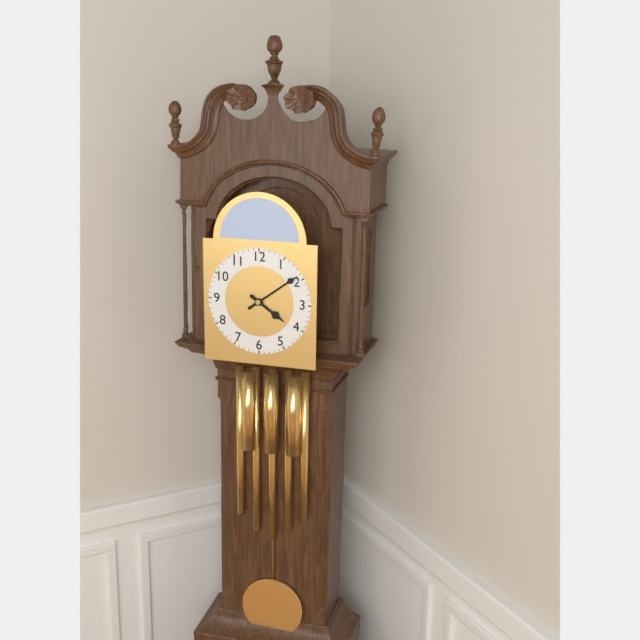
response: 4 h 09 min
